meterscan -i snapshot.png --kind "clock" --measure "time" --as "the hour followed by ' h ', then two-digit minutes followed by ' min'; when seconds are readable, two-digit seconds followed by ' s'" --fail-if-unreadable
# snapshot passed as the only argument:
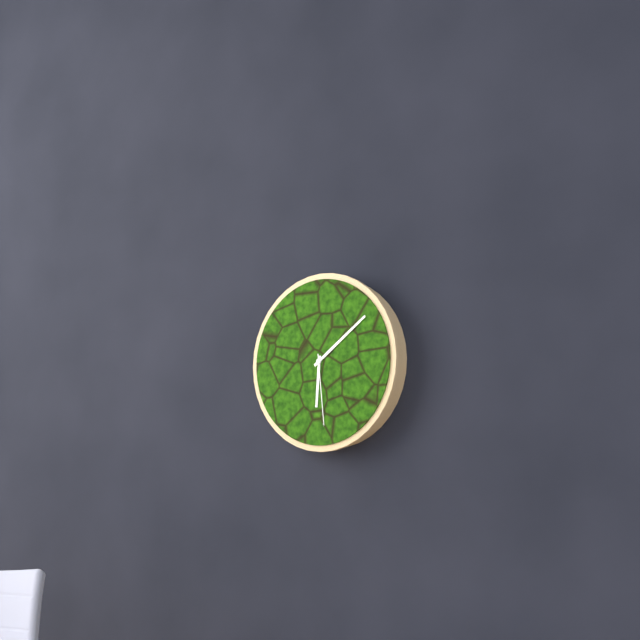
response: 6 h 09 min 29 s
